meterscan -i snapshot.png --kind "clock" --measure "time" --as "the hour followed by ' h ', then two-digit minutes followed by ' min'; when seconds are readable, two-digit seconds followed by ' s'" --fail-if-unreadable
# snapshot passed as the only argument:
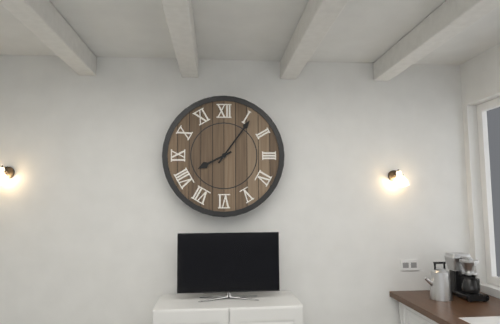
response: 8 h 06 min
